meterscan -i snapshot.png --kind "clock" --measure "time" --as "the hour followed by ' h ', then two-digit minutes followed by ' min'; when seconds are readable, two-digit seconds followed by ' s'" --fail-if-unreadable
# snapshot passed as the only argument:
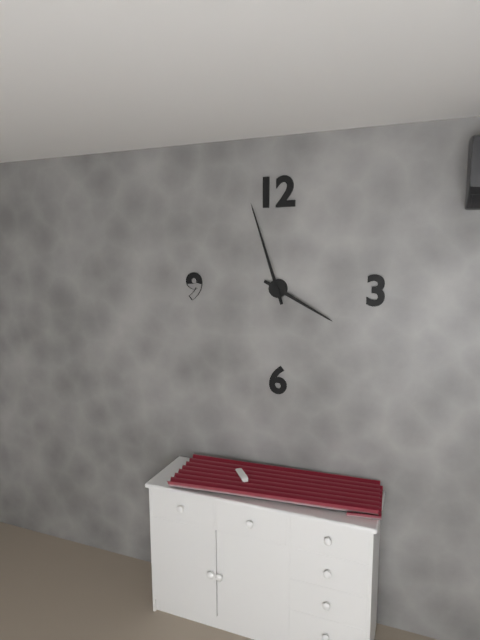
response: 3 h 57 min
